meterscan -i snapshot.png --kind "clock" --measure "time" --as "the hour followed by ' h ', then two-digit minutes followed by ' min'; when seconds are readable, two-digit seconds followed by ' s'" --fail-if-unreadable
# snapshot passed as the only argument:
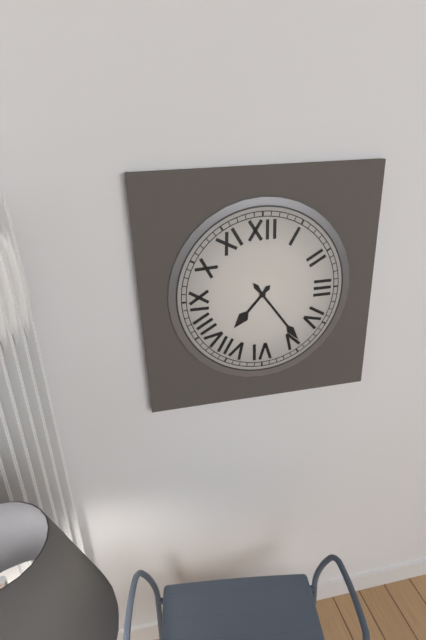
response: 7 h 24 min
